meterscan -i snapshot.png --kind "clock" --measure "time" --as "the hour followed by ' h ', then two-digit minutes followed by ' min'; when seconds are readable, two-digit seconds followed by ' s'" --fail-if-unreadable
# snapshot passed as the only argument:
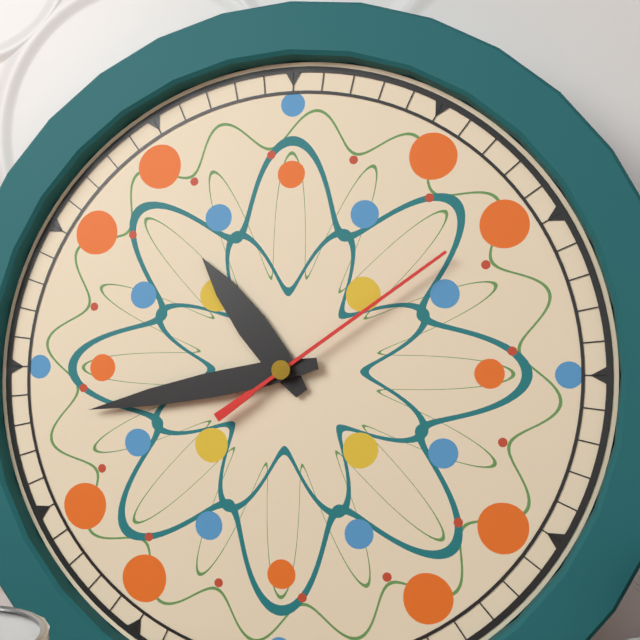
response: 10 h 43 min 09 s
